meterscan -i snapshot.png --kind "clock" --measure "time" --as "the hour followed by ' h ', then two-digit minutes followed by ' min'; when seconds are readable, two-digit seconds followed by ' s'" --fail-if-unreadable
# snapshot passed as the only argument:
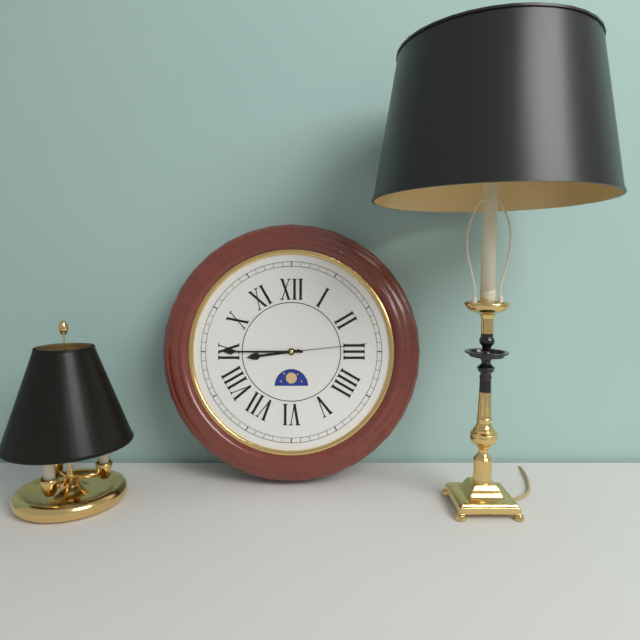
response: 8 h 45 min 14 s
